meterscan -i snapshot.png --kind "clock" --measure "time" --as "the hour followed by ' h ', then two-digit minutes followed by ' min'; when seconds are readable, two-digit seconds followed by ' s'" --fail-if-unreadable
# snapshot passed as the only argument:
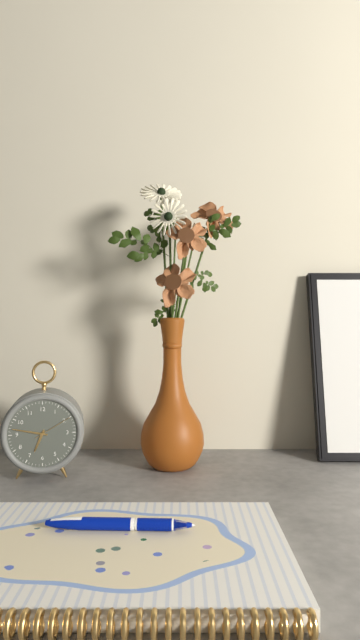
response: 6 h 47 min
